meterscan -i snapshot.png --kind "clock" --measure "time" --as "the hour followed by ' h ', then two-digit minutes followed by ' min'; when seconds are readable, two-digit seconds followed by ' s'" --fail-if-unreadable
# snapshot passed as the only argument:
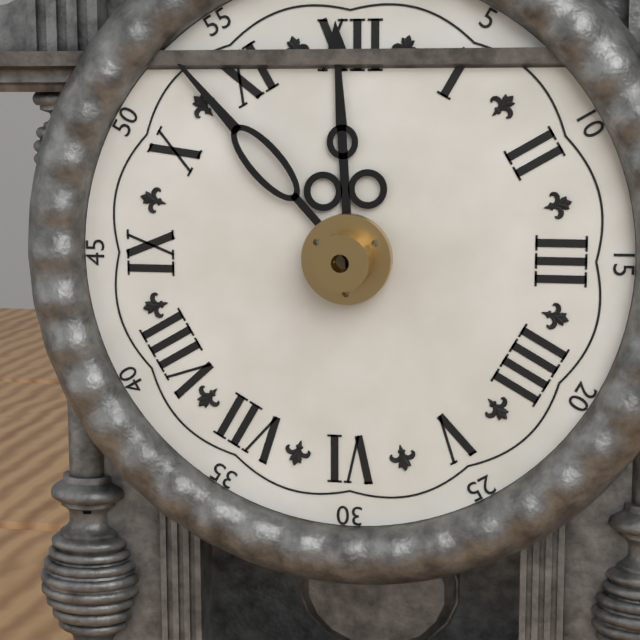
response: 11 h 53 min
